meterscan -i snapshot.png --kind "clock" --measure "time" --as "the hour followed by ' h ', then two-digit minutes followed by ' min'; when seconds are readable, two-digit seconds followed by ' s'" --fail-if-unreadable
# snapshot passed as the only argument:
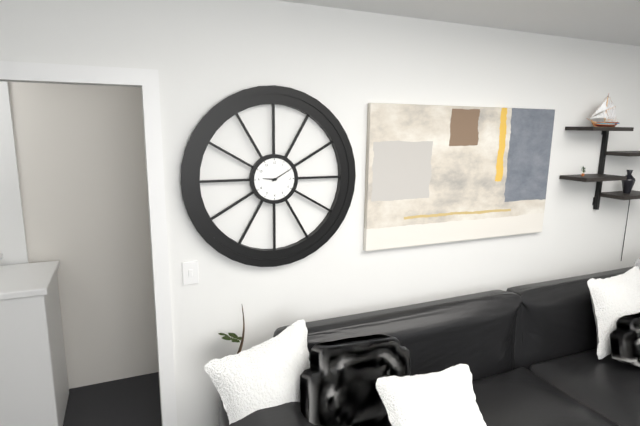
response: 9 h 10 min
